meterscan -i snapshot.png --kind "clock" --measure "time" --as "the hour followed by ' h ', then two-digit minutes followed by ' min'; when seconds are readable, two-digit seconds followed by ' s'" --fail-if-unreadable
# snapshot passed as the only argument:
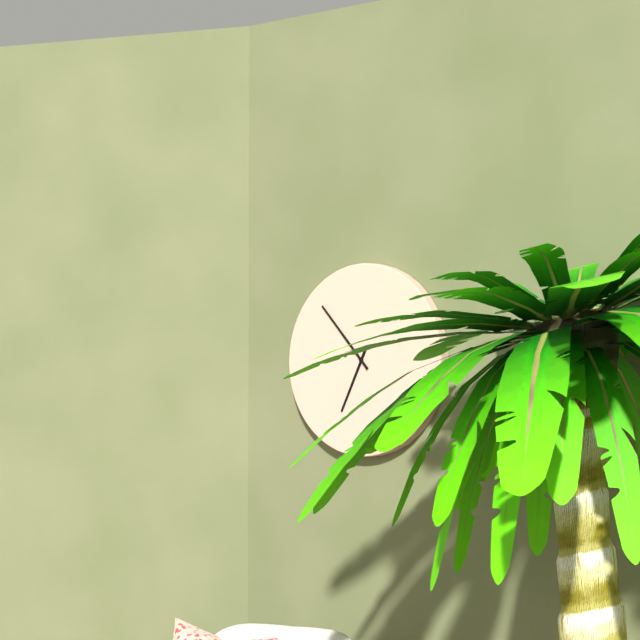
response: 6 h 53 min
